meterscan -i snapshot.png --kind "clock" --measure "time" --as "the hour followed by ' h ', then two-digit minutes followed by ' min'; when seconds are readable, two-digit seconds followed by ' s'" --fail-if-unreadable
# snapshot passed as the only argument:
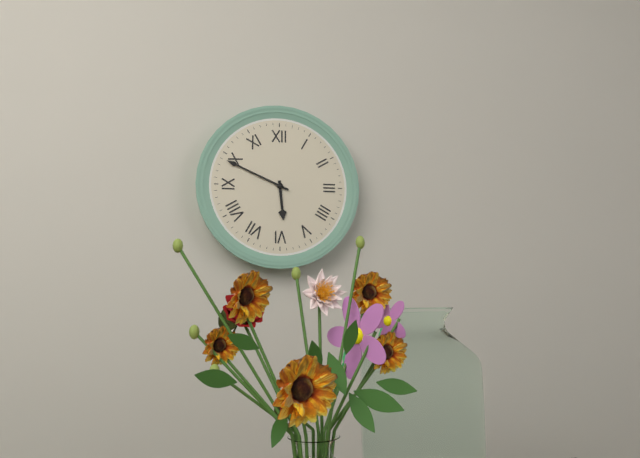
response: 5 h 49 min
